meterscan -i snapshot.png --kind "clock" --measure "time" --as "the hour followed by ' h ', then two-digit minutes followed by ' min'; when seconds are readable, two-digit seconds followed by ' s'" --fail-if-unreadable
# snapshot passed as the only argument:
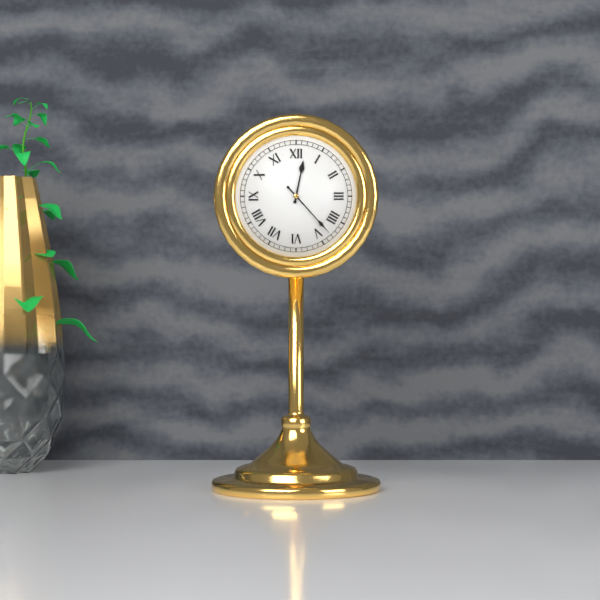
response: 12 h 23 min
